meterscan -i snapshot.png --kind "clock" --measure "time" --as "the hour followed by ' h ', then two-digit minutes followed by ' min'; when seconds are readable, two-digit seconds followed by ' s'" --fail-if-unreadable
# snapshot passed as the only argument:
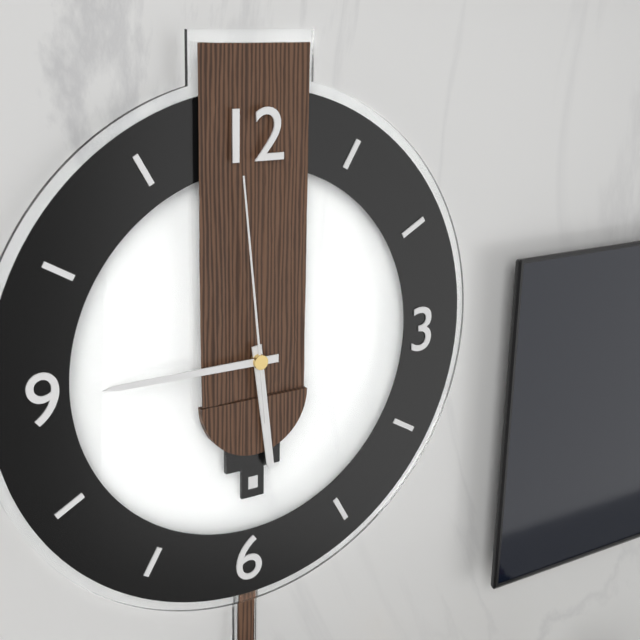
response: 5 h 45 min 59 s
